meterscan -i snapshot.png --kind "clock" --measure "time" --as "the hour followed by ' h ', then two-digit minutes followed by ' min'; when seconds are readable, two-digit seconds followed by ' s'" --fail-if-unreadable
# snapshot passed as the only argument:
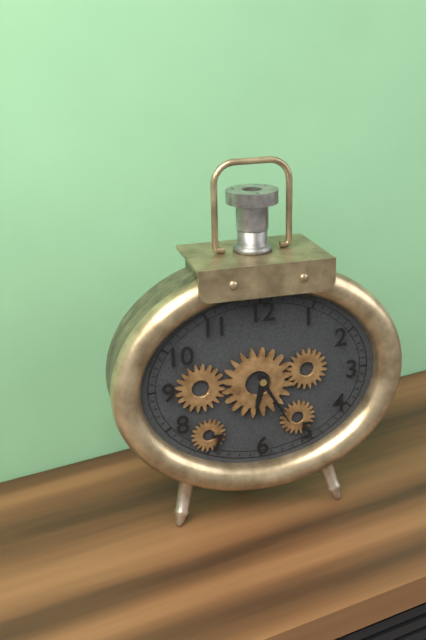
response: 6 h 25 min
